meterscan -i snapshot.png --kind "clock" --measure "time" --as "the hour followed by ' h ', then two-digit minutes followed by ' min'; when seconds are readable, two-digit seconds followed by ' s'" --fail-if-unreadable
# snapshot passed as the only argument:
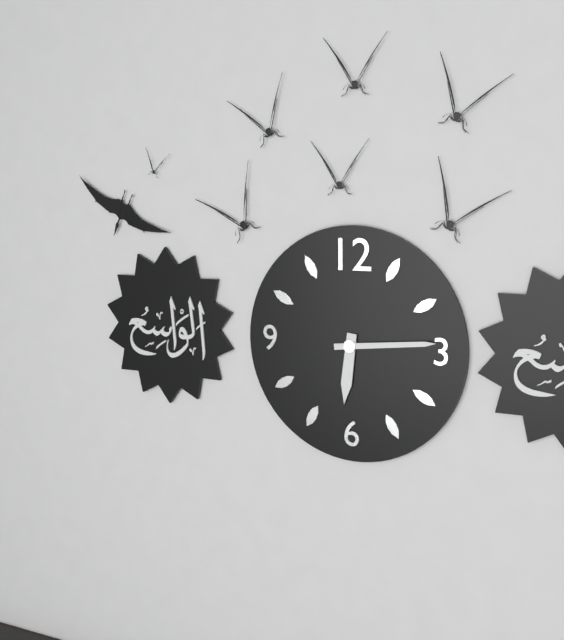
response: 6 h 14 min
